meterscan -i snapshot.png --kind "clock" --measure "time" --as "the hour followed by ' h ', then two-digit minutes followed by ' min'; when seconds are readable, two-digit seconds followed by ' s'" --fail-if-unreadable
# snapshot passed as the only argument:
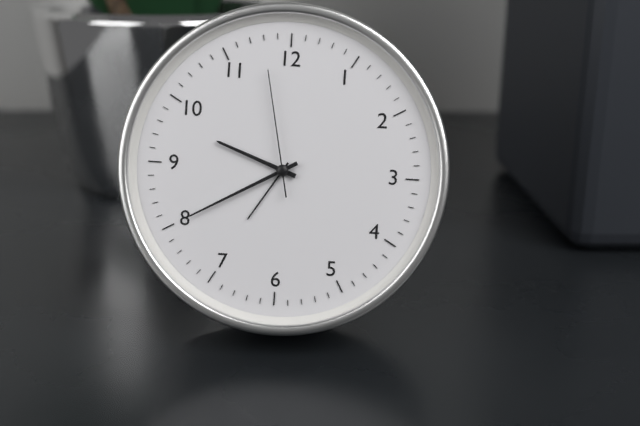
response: 9 h 40 min 58 s
